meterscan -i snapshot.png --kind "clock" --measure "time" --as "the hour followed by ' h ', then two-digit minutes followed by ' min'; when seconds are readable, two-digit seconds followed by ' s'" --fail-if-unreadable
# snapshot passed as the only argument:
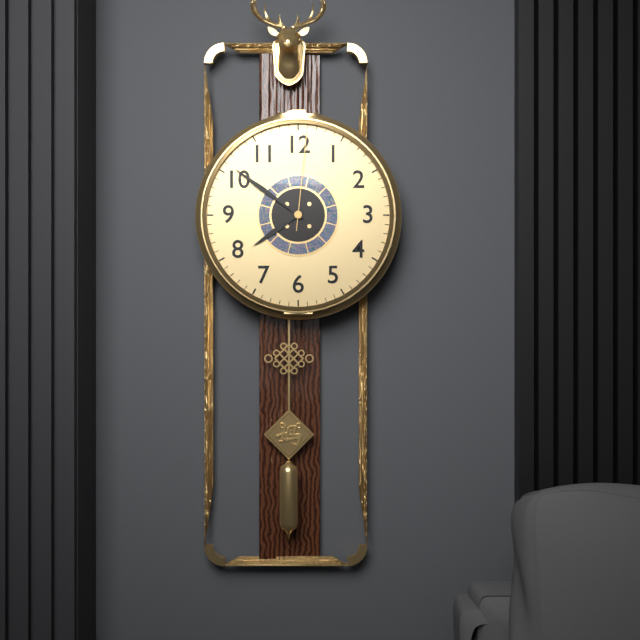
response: 7 h 51 min 01 s
